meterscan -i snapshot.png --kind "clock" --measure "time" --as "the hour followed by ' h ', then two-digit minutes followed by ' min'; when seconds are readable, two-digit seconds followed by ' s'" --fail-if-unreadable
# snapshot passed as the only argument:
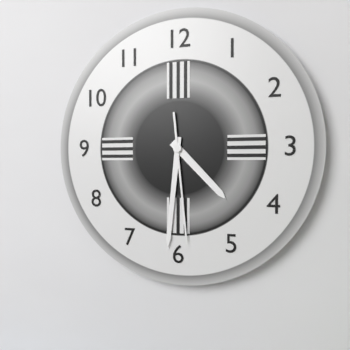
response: 4 h 31 min 29 s
